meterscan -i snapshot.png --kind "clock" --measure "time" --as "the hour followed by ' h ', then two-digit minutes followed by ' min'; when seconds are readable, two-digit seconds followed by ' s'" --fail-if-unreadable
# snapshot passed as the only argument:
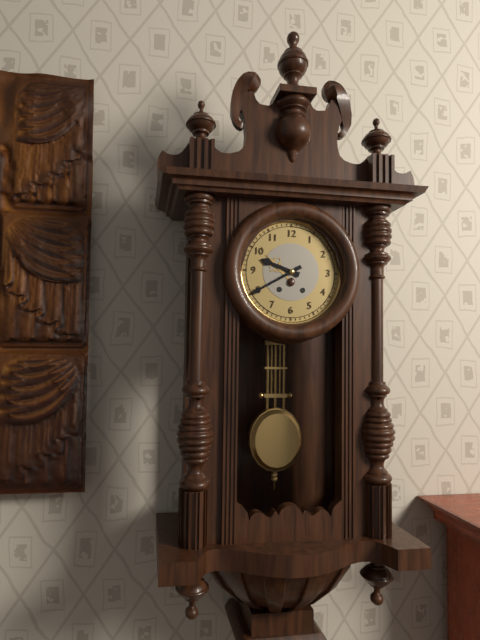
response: 9 h 40 min
